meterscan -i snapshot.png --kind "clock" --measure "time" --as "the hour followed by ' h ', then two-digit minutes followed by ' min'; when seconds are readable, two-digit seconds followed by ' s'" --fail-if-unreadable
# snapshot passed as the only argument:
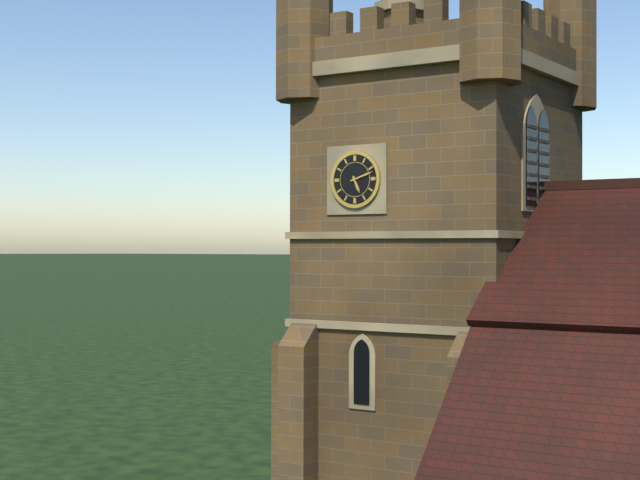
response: 5 h 12 min
